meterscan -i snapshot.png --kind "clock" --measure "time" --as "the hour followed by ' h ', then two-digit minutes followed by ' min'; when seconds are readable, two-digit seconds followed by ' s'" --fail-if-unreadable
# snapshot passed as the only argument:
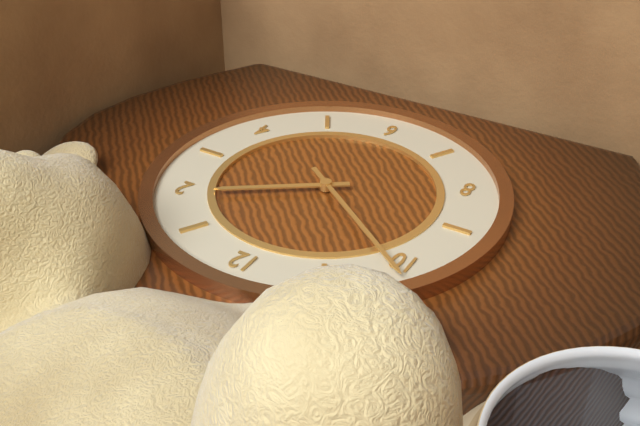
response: 1 h 51 min
